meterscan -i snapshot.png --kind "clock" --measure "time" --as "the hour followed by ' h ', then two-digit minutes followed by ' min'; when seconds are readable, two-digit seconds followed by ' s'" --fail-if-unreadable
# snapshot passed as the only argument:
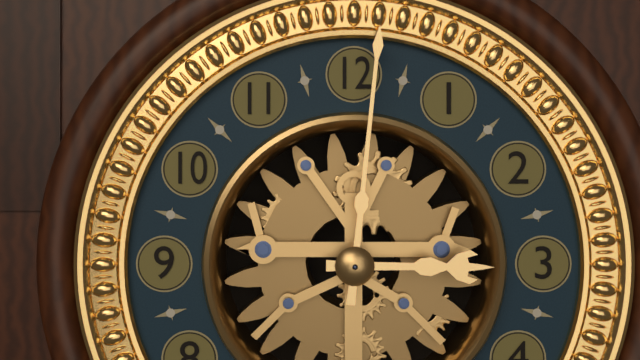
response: 3 h 01 min
